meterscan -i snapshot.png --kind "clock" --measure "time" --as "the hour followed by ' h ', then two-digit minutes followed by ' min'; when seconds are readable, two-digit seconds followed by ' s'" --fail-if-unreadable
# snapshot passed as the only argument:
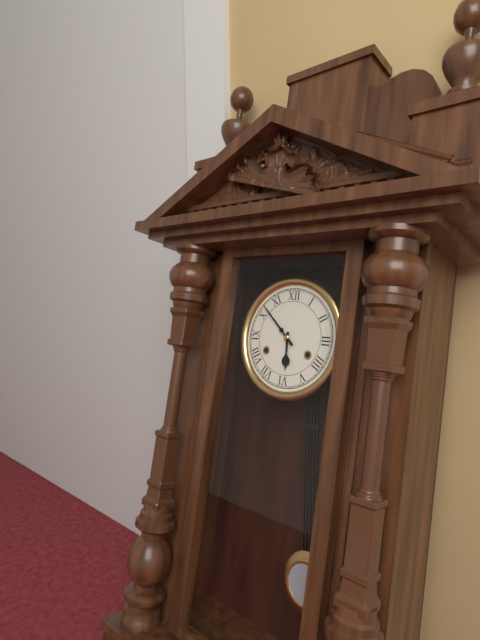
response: 5 h 52 min
